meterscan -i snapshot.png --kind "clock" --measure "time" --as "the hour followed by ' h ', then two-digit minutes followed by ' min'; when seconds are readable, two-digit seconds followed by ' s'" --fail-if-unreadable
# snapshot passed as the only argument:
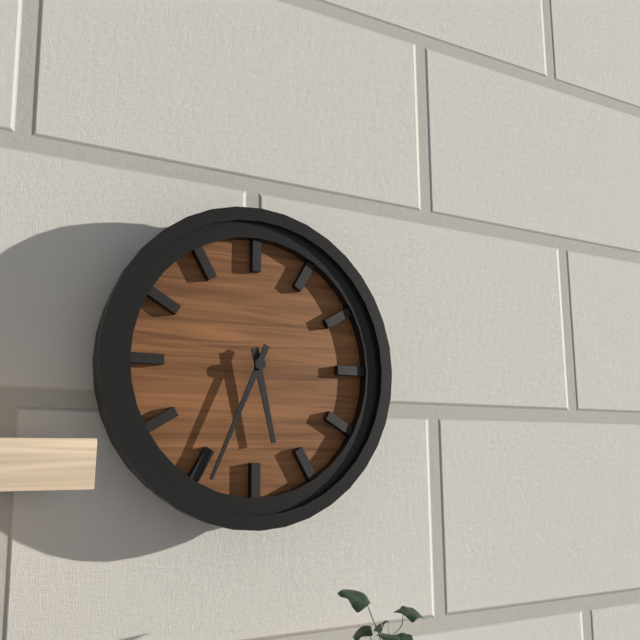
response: 5 h 34 min
